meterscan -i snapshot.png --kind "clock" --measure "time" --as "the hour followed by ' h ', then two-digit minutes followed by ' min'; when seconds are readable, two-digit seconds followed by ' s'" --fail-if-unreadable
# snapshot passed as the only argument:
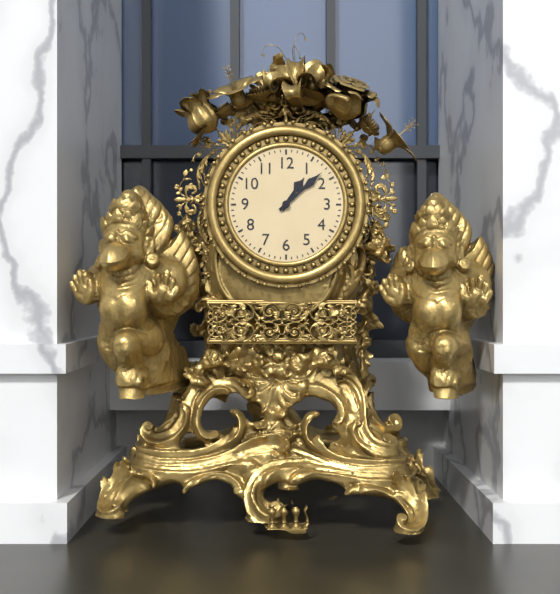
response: 1 h 08 min
